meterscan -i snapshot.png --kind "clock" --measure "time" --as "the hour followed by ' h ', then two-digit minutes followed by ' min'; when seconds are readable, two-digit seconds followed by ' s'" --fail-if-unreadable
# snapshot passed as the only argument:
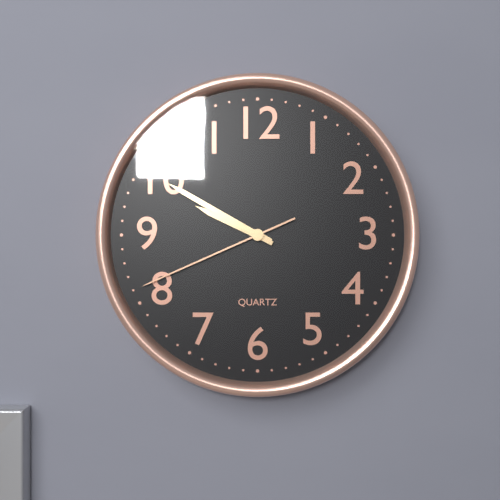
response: 9 h 50 min 41 s
